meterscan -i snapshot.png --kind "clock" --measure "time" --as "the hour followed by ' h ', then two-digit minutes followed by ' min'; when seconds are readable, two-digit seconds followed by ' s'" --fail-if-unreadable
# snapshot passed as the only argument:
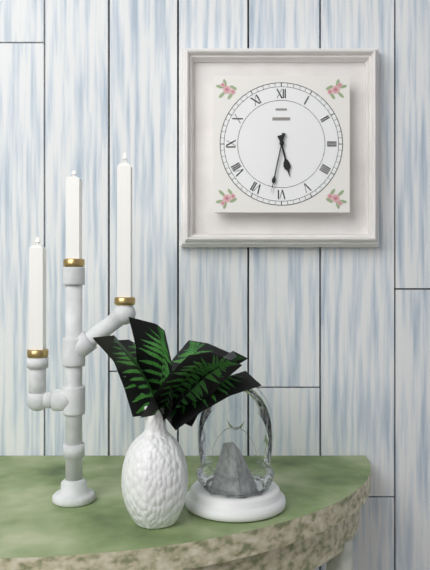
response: 5 h 32 min
